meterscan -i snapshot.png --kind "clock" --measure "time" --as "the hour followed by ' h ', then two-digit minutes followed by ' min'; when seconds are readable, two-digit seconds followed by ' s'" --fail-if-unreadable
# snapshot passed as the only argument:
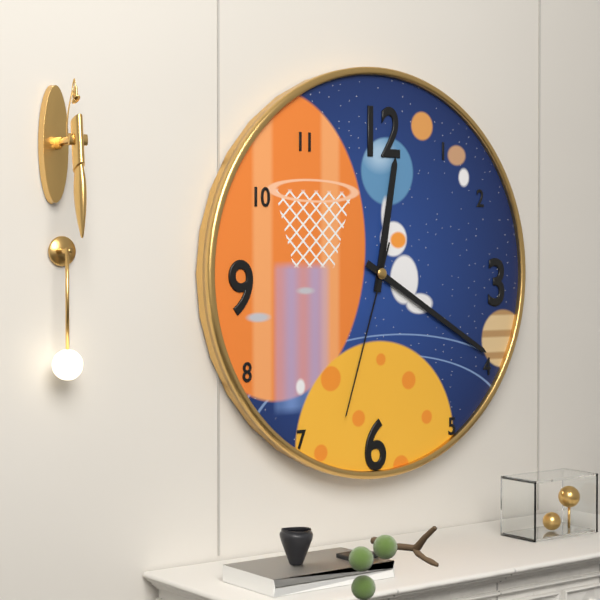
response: 12 h 20 min 33 s
